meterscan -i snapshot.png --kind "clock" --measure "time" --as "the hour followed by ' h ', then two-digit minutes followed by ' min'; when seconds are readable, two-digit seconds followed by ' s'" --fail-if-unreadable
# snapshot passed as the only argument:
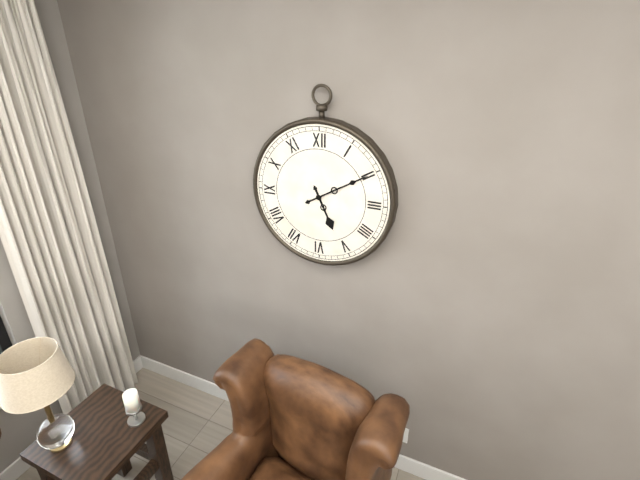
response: 5 h 10 min
